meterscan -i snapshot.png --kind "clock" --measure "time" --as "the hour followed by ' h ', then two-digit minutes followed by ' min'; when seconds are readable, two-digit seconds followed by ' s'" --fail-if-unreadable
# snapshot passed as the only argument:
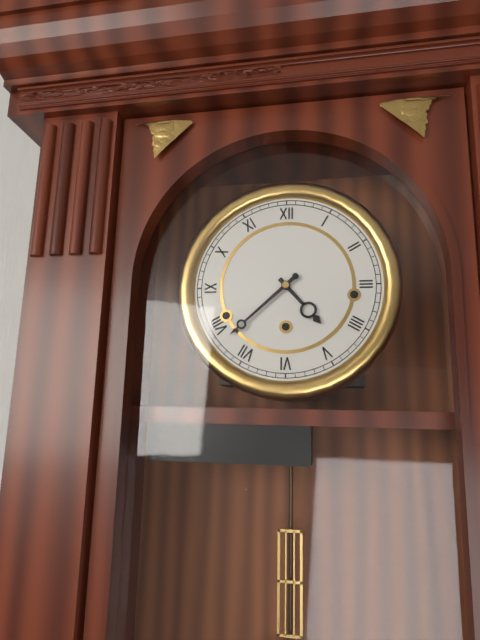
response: 4 h 38 min
